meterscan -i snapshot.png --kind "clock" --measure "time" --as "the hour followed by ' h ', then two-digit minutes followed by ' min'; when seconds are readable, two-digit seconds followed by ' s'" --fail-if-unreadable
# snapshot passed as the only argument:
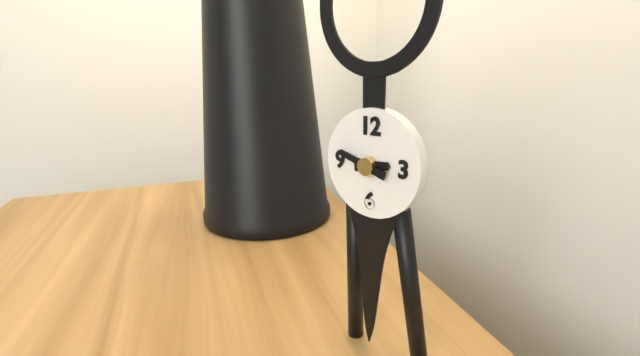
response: 2 h 48 min
